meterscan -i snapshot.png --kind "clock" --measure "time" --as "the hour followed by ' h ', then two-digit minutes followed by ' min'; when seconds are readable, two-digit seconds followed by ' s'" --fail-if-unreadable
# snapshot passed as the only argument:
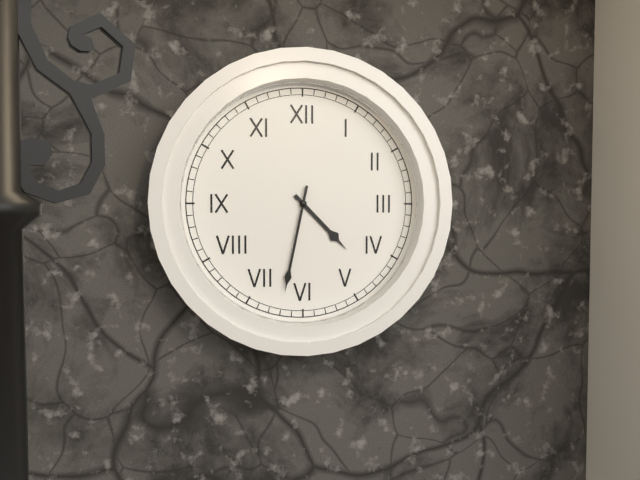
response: 4 h 32 min
